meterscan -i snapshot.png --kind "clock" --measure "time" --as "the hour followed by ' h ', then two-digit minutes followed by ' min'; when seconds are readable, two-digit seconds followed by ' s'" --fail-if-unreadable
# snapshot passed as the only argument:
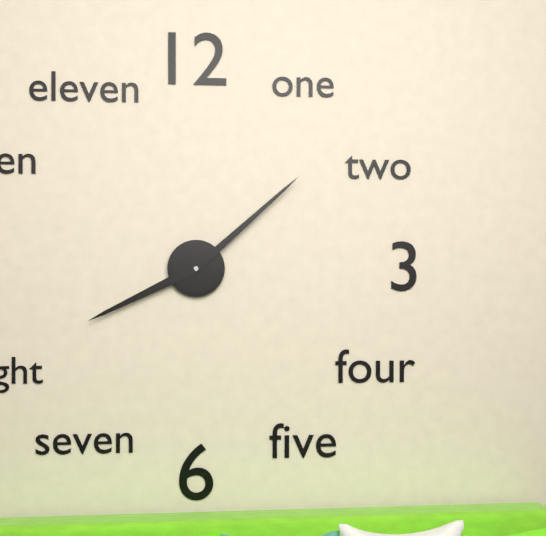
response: 8 h 08 min
